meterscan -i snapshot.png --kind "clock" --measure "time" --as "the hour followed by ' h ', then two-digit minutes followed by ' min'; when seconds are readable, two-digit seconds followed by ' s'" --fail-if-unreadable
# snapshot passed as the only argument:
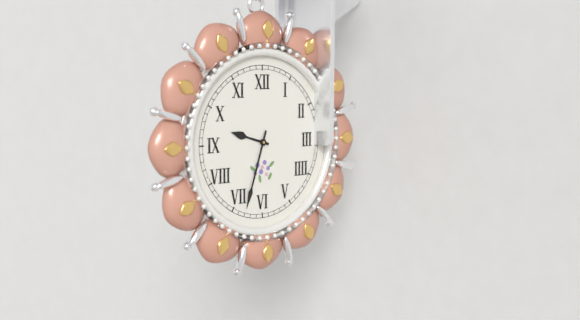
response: 9 h 33 min
